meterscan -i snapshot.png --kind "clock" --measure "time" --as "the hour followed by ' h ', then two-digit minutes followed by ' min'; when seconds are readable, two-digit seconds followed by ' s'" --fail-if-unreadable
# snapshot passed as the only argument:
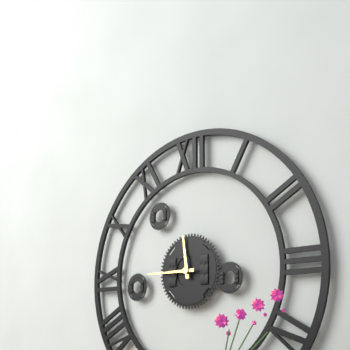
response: 11 h 45 min
